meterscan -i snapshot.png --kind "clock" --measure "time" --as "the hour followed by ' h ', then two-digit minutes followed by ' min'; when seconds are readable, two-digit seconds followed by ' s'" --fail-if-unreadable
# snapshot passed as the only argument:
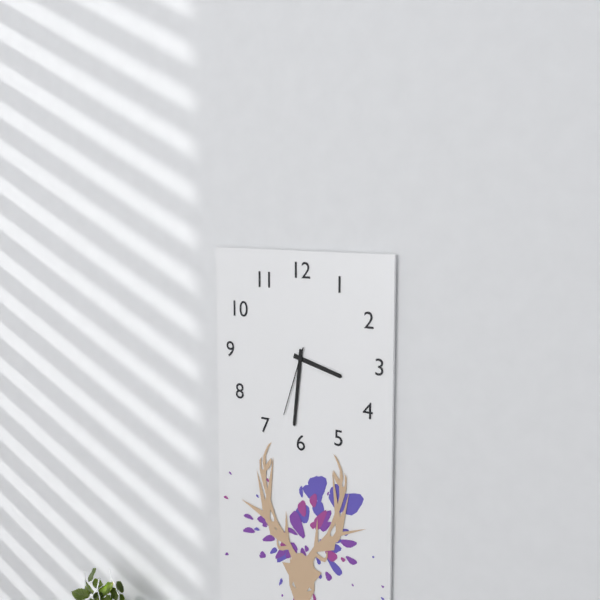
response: 3 h 31 min 33 s
